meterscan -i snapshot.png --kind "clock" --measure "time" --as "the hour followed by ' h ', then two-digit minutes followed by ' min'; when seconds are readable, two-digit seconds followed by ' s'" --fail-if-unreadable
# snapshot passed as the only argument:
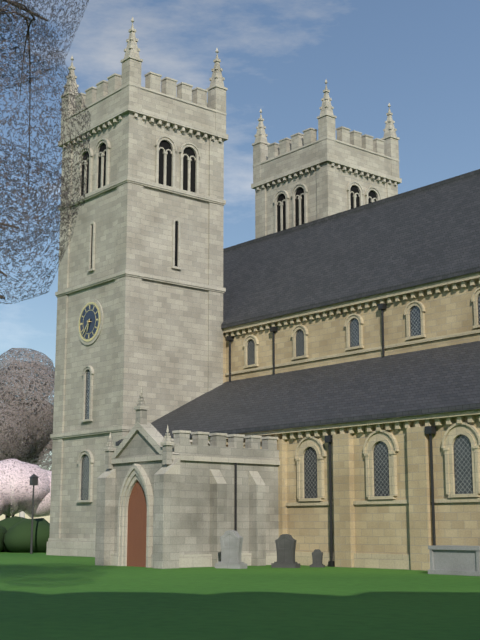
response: 6 h 37 min
